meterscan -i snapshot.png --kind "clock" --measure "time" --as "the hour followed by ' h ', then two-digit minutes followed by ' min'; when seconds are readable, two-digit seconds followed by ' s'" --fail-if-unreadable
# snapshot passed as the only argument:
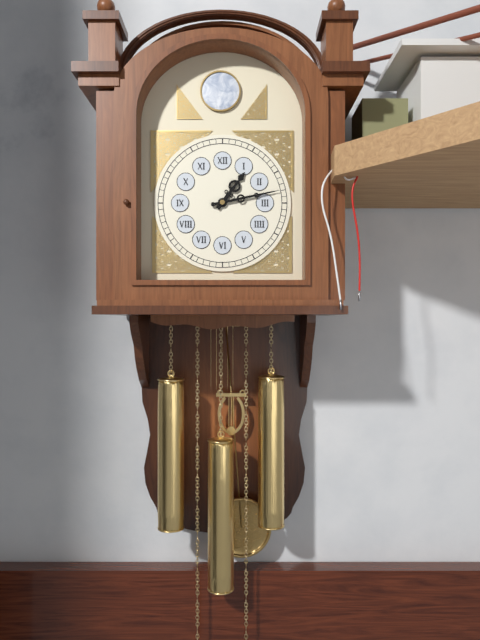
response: 1 h 13 min
